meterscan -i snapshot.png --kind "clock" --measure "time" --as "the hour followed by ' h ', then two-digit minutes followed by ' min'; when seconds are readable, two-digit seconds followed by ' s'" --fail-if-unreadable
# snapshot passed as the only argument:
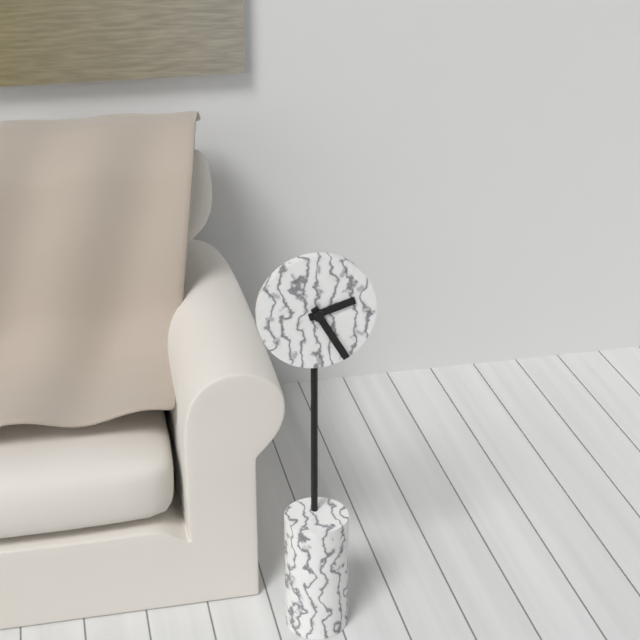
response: 2 h 25 min
